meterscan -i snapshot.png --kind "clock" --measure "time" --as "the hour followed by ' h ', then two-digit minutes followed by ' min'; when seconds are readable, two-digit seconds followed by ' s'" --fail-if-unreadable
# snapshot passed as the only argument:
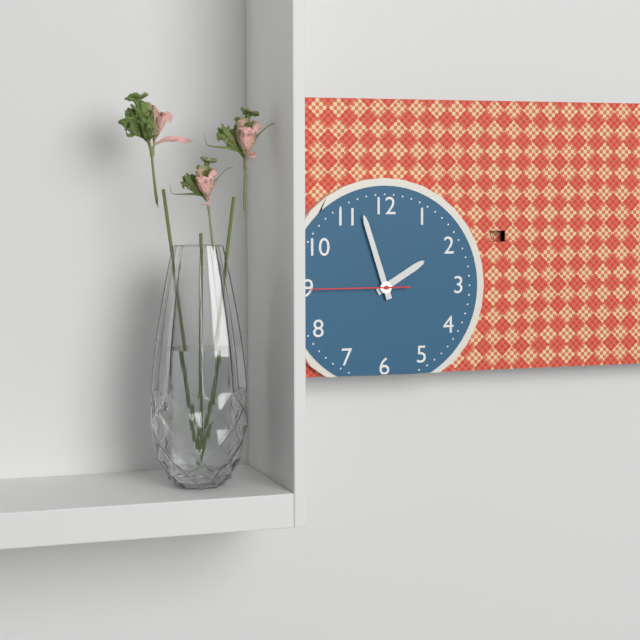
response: 1 h 57 min 45 s
